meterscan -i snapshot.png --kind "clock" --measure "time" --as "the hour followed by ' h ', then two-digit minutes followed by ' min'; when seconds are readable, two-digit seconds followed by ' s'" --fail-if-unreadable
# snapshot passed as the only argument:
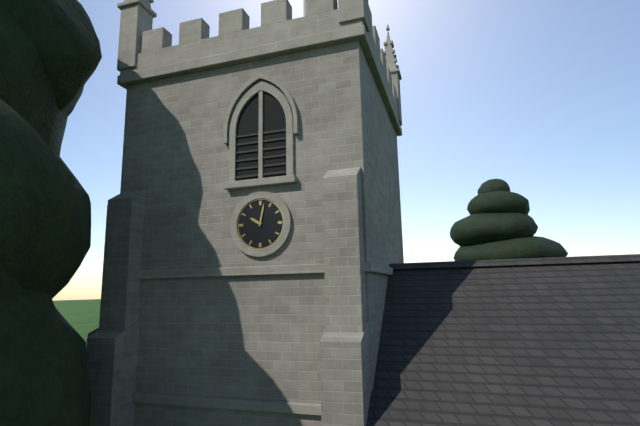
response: 10 h 02 min
